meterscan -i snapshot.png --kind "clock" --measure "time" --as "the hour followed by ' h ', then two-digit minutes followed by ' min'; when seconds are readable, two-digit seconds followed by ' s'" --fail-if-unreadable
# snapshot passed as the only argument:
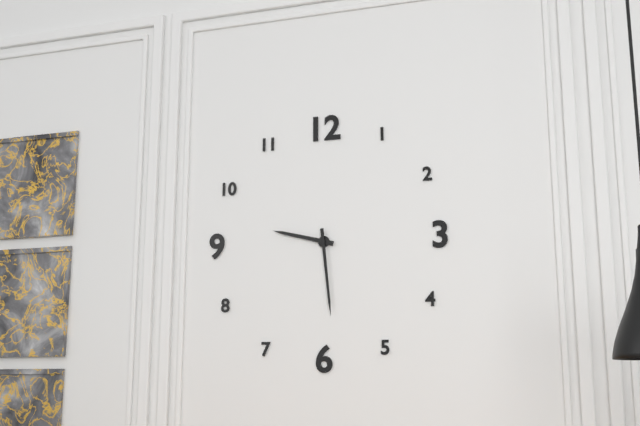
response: 9 h 29 min
